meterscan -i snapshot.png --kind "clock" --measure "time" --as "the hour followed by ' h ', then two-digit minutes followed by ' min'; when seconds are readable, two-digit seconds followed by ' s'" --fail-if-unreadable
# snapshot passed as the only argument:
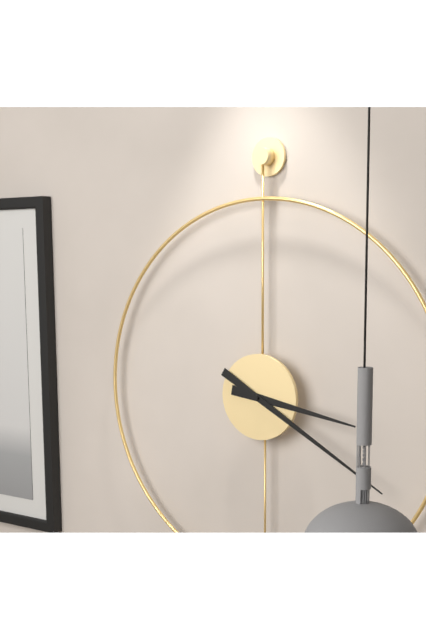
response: 3 h 20 min
